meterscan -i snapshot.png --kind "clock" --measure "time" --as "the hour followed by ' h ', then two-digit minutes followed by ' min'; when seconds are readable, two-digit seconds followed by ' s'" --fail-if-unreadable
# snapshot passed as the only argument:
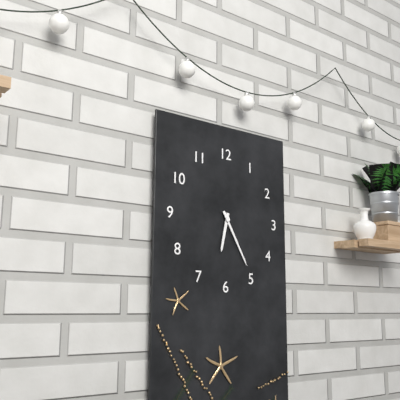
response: 6 h 25 min
